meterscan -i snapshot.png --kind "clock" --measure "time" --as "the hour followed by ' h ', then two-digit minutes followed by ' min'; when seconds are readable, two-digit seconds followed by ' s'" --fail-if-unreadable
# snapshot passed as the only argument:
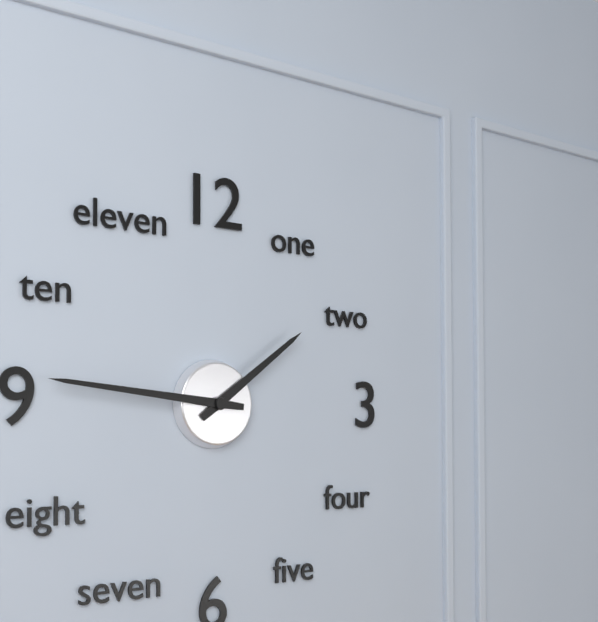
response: 1 h 46 min
